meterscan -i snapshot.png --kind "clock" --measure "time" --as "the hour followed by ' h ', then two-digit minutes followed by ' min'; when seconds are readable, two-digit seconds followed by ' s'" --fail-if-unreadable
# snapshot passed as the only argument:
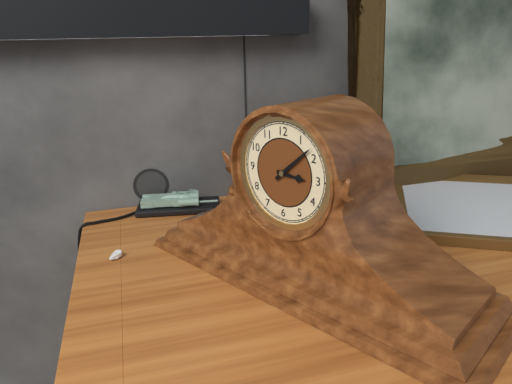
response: 3 h 08 min
